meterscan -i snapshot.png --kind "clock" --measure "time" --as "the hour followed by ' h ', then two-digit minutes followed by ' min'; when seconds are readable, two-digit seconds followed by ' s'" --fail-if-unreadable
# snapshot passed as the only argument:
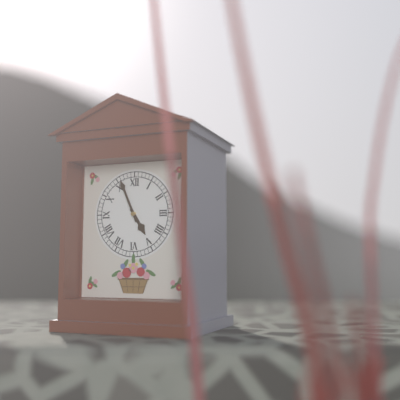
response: 4 h 56 min
